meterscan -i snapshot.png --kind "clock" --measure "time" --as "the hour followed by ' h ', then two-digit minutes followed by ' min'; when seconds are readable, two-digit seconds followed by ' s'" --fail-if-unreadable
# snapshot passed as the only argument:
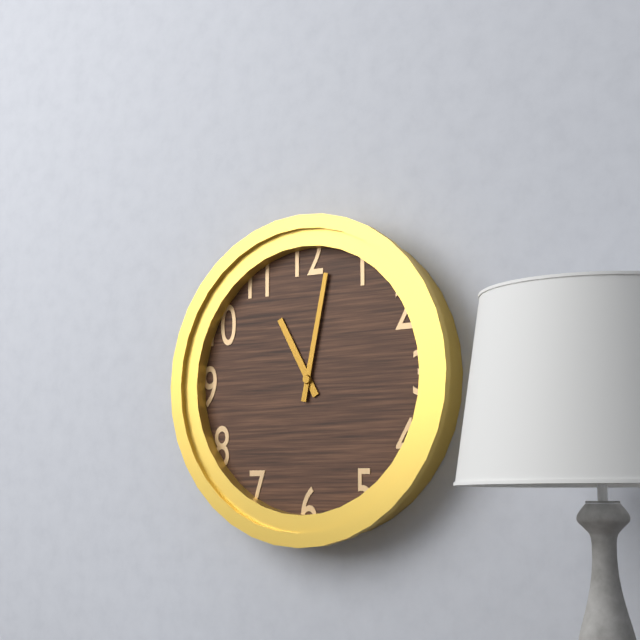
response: 11 h 02 min
